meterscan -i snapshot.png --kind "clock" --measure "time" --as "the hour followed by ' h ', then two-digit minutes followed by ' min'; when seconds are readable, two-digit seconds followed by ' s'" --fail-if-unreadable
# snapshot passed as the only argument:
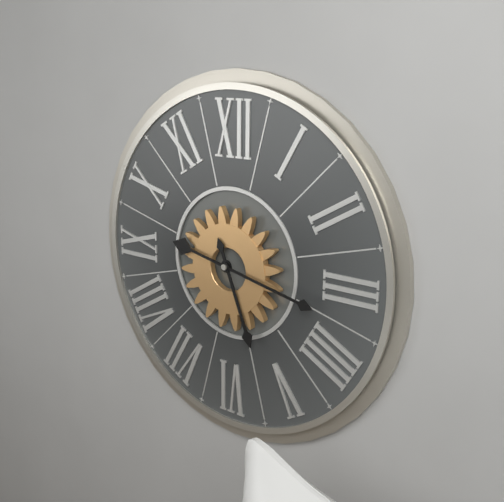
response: 5 h 17 min
